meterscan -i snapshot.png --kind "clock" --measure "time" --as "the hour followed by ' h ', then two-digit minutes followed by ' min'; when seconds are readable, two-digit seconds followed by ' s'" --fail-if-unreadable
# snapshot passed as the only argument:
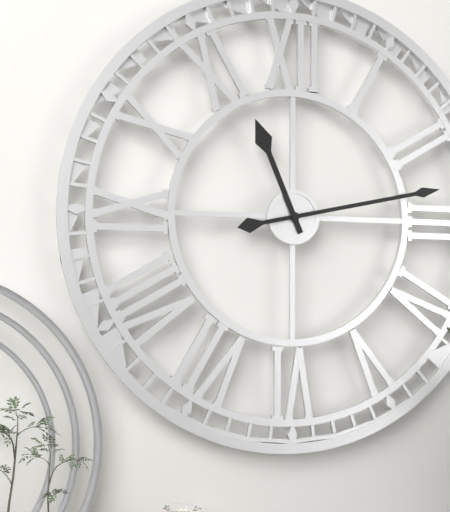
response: 11 h 13 min
